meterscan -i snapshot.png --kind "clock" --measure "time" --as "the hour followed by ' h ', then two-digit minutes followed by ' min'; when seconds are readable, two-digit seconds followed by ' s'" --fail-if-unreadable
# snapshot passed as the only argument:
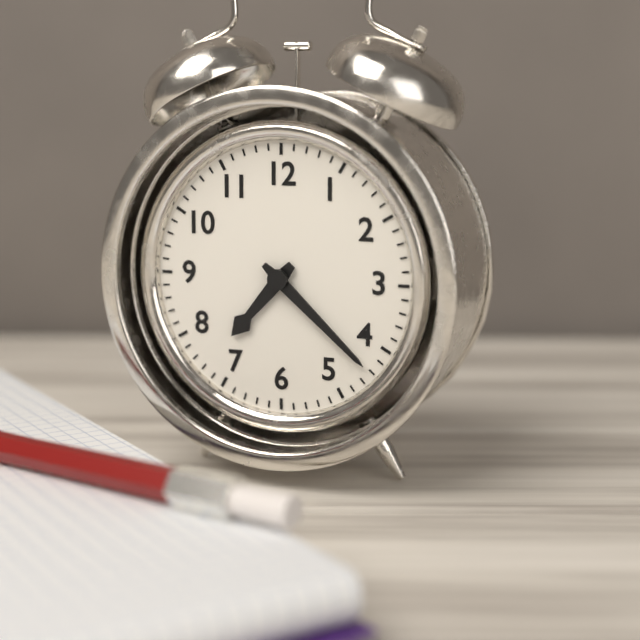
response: 7 h 22 min
